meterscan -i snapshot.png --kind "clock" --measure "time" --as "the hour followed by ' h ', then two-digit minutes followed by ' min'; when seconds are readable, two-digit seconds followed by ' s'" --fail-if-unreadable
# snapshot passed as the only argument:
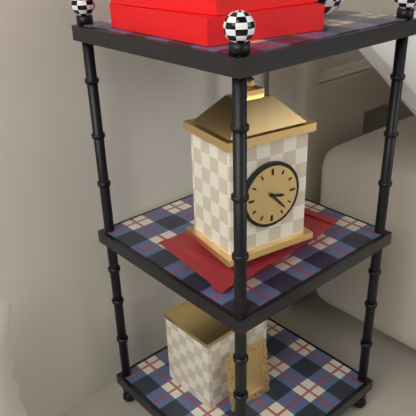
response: 3 h 23 min
